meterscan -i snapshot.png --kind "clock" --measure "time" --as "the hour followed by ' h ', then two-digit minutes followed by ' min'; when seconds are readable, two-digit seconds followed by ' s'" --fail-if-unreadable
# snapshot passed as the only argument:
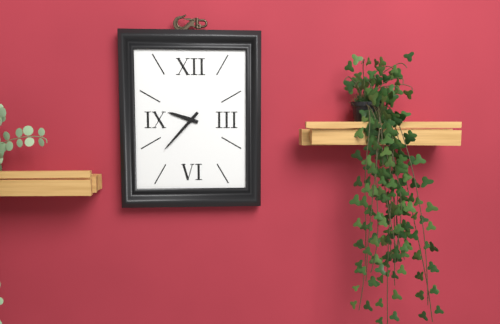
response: 9 h 37 min
